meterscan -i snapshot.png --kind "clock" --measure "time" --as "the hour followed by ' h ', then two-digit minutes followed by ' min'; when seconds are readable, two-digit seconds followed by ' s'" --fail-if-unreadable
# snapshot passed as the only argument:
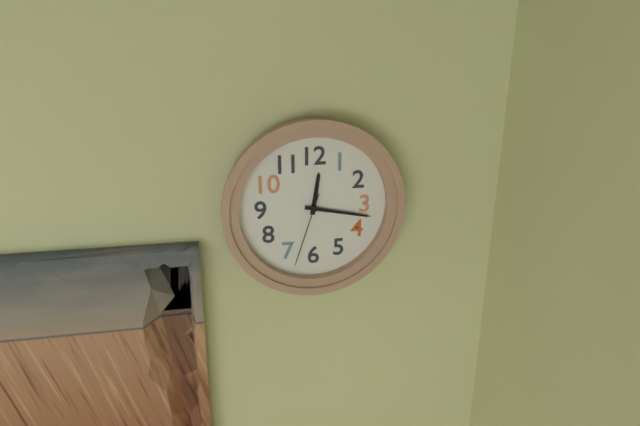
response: 12 h 17 min 33 s
